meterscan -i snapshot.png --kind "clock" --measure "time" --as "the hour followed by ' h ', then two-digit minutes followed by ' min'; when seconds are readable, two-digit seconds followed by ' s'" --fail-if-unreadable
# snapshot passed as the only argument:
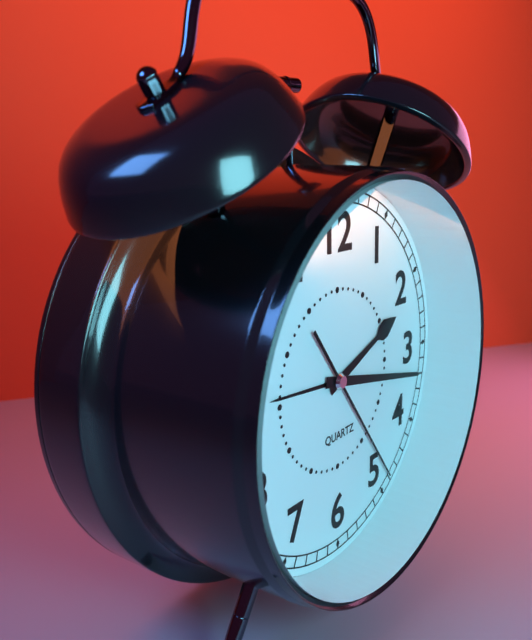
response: 2 h 17 min 24 s
